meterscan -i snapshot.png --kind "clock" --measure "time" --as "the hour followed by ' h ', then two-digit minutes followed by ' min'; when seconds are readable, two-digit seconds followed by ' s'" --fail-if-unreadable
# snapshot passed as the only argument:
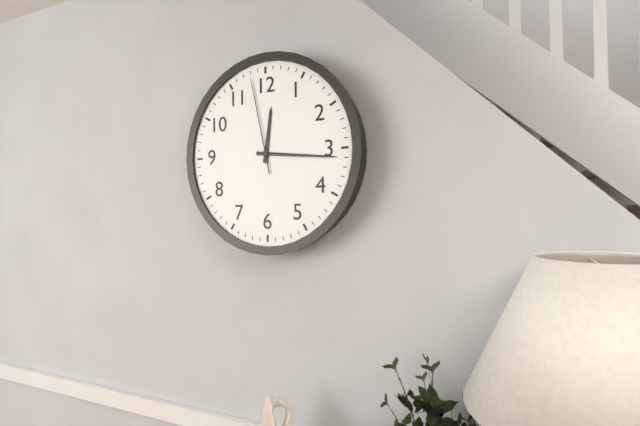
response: 12 h 16 min 58 s
